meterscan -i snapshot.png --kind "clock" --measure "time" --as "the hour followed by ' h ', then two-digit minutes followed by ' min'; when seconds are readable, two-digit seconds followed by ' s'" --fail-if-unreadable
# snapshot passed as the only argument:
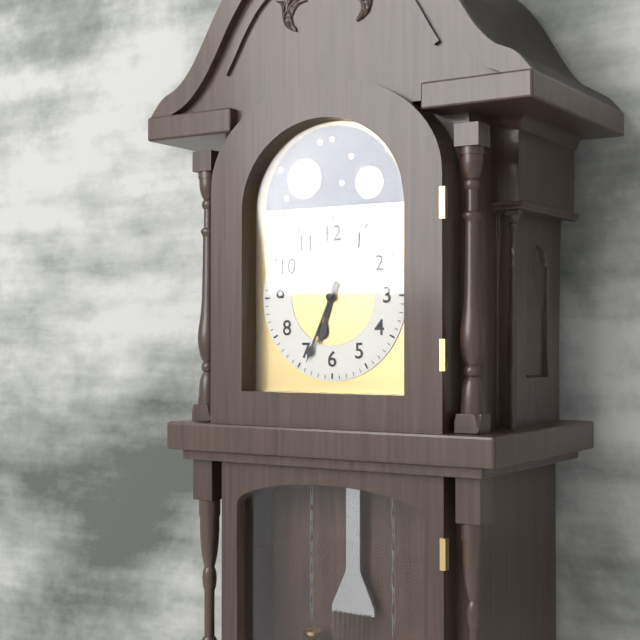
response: 6 h 34 min
